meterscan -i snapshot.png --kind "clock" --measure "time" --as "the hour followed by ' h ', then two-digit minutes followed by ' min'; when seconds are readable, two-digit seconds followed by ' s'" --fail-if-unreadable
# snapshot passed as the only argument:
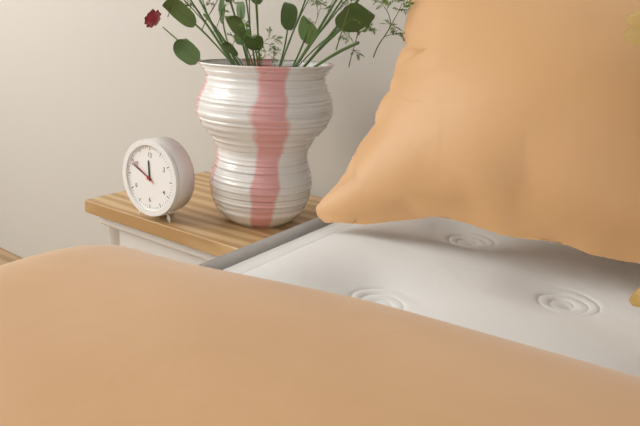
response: 11 h 49 min
